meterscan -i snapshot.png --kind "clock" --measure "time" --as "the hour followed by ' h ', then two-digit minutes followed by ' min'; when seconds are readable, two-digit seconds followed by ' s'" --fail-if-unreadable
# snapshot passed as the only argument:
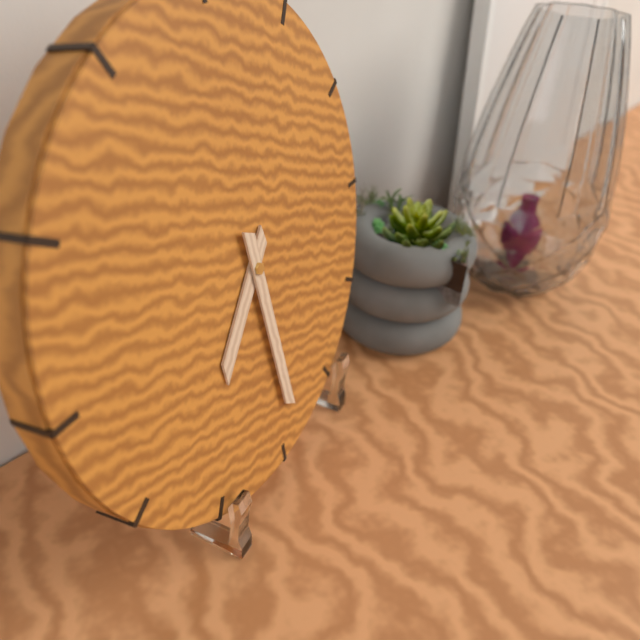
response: 7 h 29 min
